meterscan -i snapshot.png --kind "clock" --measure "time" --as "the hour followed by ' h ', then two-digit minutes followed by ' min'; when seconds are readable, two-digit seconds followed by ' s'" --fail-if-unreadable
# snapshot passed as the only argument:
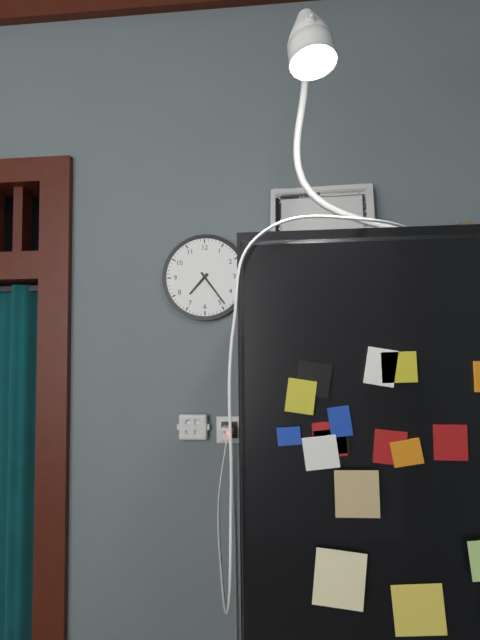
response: 7 h 24 min
